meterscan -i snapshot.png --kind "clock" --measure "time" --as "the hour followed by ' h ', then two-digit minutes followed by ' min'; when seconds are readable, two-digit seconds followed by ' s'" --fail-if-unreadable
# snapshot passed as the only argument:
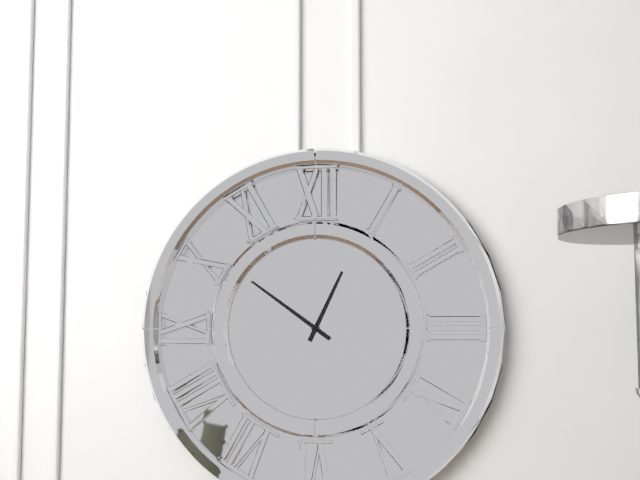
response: 12 h 51 min
